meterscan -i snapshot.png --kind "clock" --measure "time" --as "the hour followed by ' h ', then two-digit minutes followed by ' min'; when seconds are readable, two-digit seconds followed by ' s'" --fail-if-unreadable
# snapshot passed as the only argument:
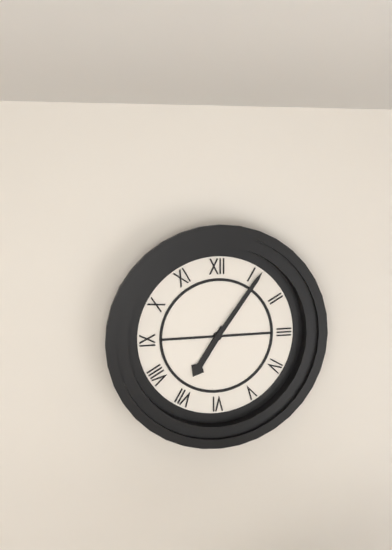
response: 7 h 06 min
